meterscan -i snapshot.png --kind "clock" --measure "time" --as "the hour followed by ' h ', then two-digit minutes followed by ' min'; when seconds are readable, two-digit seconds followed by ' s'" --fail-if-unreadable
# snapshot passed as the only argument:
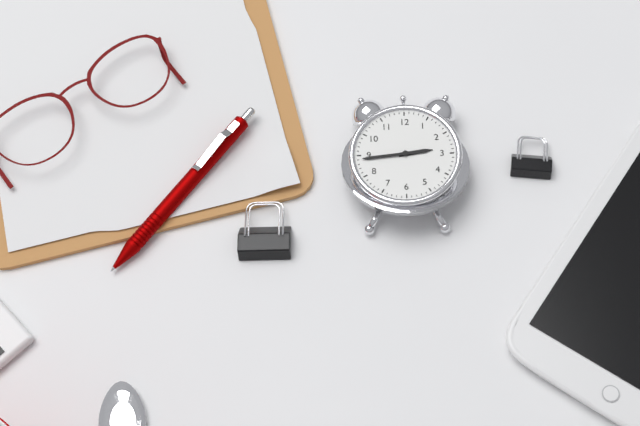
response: 2 h 44 min
